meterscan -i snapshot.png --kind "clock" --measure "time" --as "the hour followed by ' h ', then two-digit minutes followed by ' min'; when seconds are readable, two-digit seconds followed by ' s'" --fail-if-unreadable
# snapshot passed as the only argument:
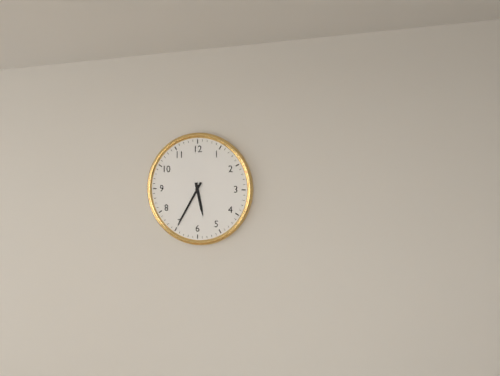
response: 5 h 35 min
